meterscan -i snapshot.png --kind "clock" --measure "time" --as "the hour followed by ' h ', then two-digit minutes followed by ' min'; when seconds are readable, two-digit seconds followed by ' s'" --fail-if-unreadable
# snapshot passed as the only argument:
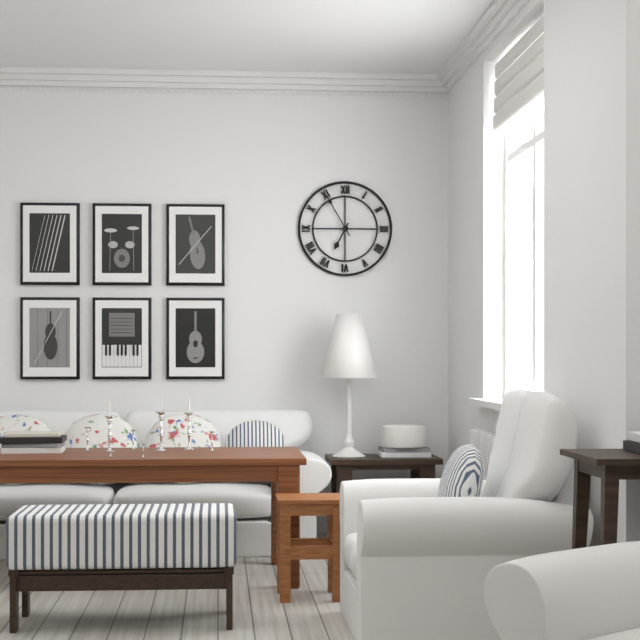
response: 6 h 55 min
